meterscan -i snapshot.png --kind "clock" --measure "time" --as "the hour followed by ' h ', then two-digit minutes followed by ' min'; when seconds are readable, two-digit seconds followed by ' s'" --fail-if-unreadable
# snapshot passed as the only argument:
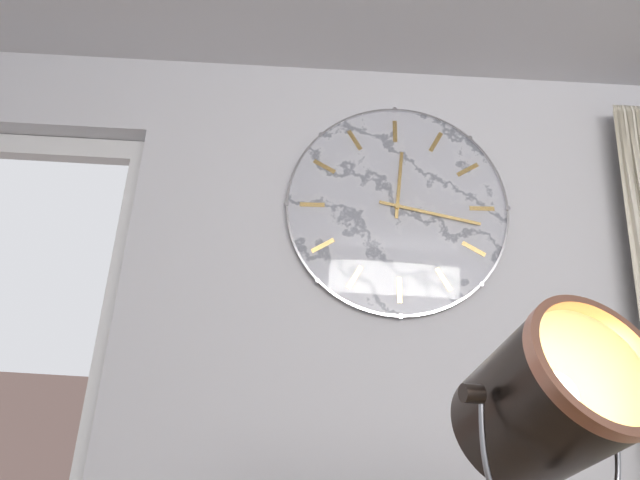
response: 11 h 12 min
